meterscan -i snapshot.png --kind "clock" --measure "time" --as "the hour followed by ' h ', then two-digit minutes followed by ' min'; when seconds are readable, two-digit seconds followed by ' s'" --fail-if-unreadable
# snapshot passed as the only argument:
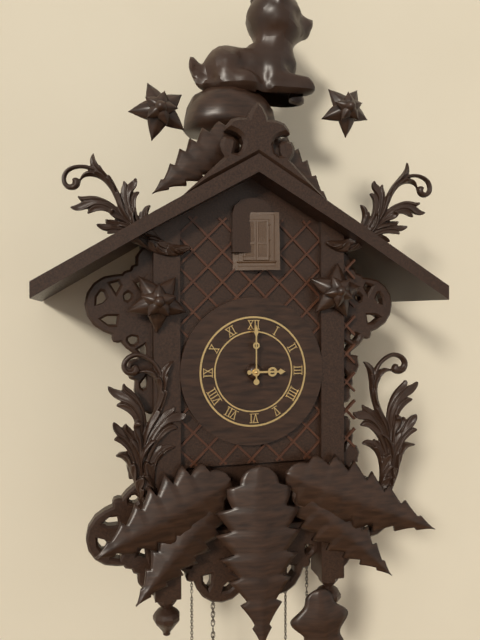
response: 3 h 00 min
